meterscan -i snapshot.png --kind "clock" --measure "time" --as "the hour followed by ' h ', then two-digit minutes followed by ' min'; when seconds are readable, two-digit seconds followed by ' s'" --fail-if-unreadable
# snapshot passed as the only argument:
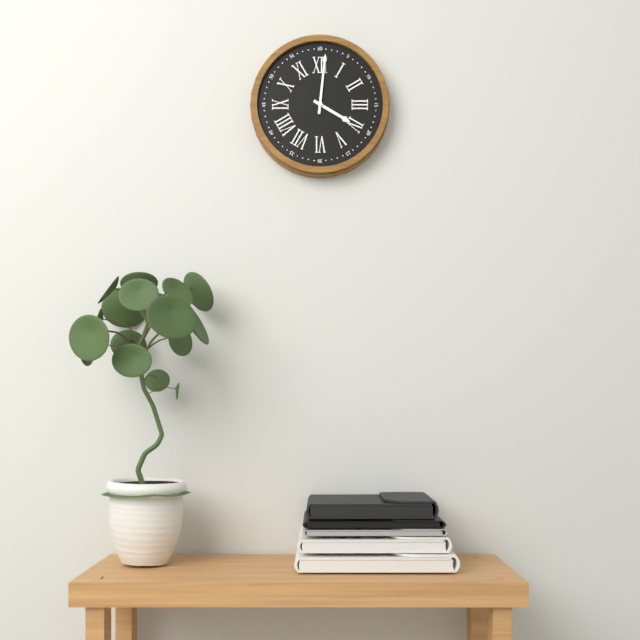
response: 4 h 01 min
